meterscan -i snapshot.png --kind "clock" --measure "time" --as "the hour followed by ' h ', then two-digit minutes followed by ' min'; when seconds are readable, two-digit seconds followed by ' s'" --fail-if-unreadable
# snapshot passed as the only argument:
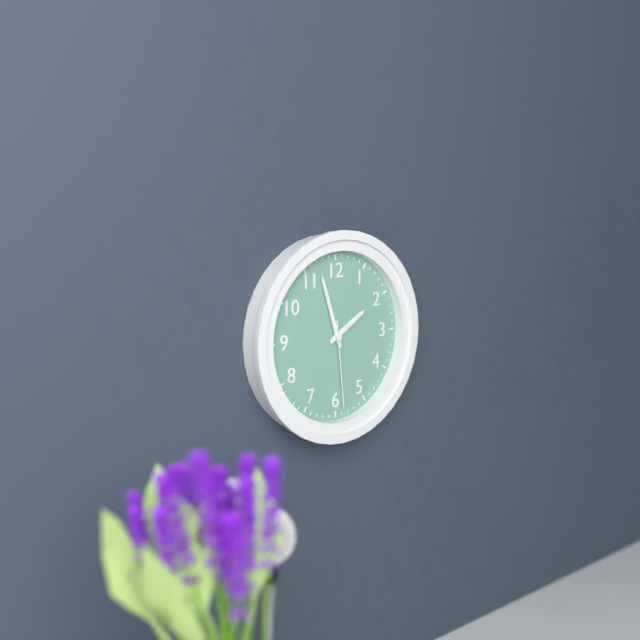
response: 1 h 57 min 29 s
